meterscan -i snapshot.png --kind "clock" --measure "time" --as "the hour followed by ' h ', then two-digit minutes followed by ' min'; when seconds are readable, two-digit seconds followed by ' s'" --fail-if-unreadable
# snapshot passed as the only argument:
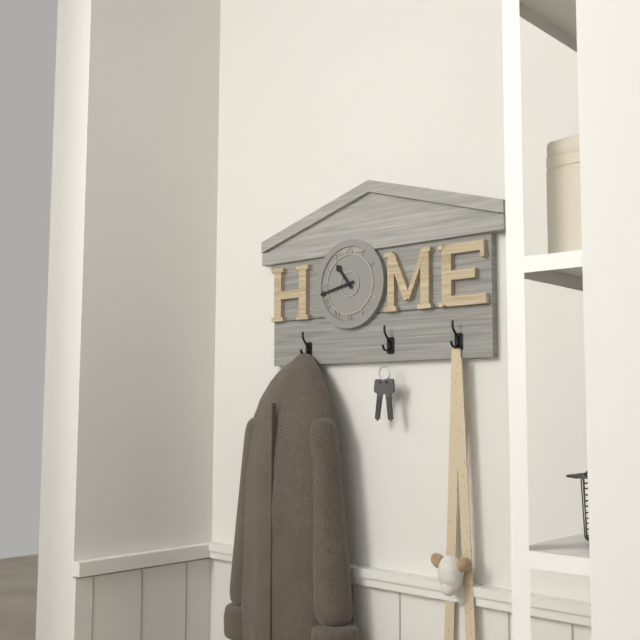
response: 10 h 43 min
